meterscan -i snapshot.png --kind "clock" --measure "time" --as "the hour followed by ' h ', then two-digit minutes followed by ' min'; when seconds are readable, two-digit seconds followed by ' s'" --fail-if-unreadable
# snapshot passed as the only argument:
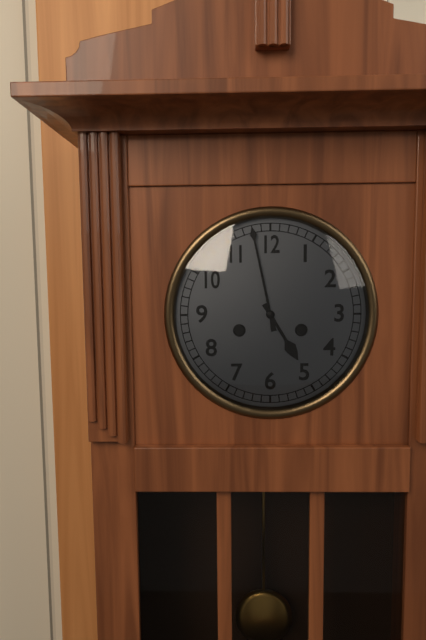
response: 4 h 58 min
